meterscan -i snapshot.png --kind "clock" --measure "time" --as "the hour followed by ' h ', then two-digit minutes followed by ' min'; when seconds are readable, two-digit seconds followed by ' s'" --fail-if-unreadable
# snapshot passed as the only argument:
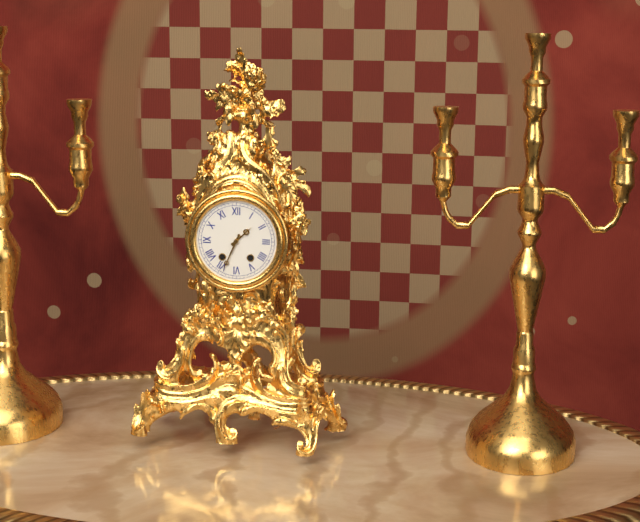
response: 1 h 34 min
